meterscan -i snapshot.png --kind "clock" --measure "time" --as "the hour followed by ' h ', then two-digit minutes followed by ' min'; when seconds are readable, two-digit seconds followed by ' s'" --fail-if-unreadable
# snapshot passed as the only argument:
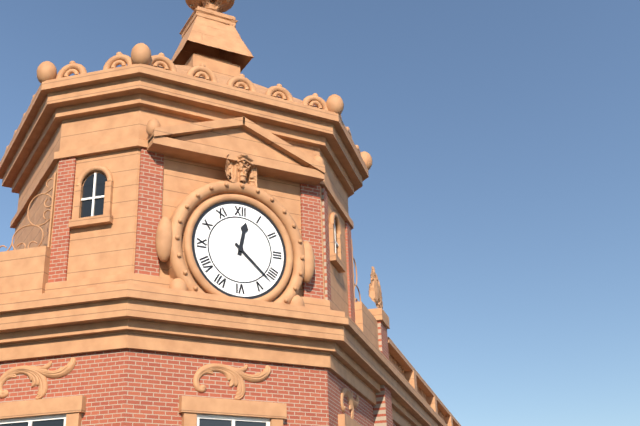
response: 12 h 22 min
